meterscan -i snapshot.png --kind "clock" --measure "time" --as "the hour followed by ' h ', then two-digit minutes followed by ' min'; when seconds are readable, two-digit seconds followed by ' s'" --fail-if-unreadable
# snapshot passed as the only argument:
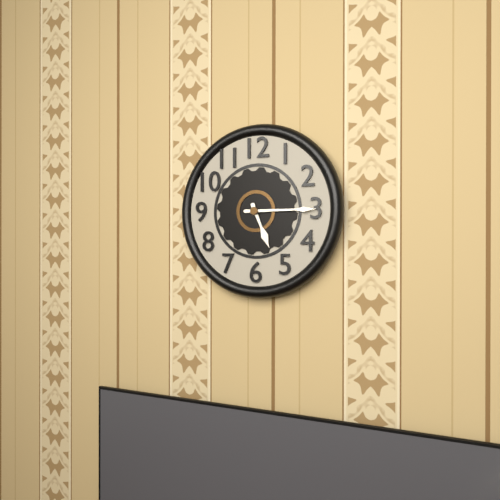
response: 5 h 15 min
